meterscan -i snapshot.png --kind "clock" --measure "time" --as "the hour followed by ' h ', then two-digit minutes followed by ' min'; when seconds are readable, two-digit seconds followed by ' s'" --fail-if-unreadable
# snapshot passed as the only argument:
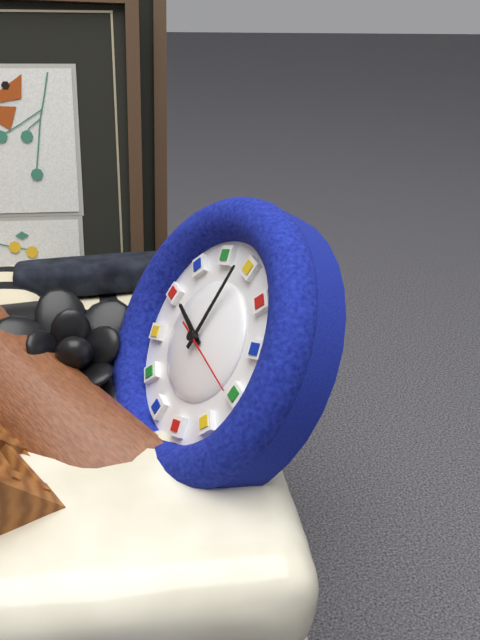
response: 11 h 09 min 25 s
